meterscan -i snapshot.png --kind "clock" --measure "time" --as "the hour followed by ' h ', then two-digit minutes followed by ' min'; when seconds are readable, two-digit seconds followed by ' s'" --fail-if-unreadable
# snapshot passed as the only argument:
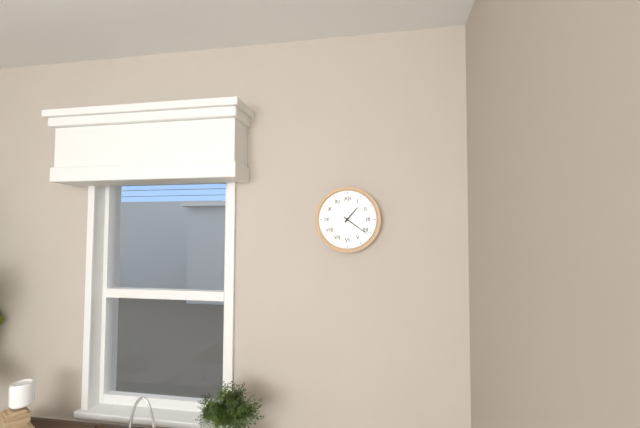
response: 1 h 21 min
